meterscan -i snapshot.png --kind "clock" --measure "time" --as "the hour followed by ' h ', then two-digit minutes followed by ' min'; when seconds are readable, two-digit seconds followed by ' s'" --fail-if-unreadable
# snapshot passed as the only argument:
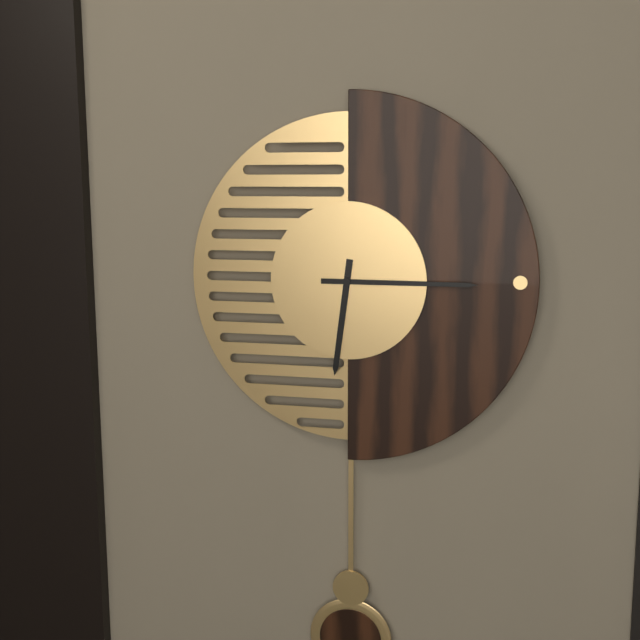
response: 6 h 15 min
